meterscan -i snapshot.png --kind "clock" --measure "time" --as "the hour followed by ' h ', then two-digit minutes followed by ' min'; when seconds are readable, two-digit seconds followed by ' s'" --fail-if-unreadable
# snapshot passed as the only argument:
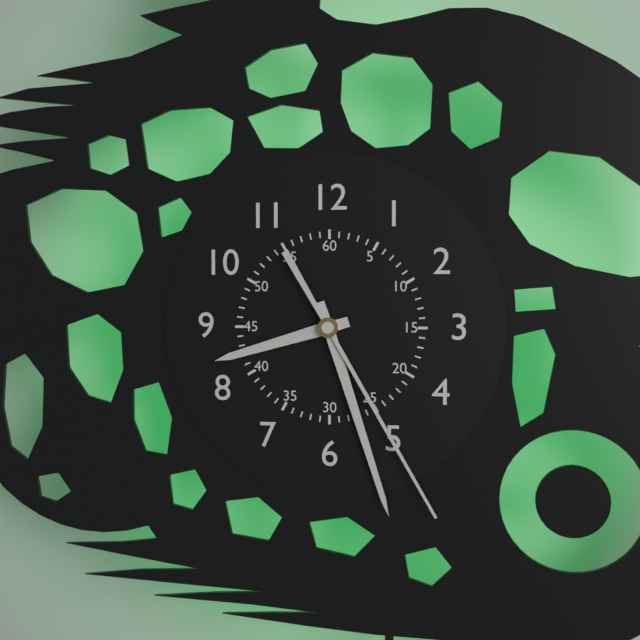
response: 8 h 27 min 25 s
